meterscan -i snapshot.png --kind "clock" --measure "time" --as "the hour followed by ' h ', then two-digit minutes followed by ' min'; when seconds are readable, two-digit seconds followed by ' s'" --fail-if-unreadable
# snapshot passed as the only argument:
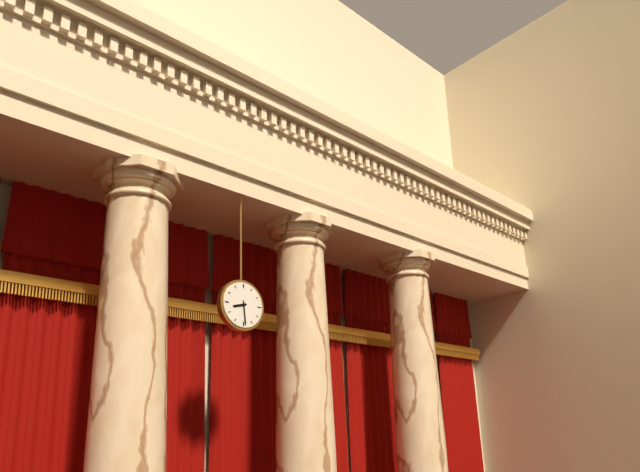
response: 8 h 29 min
